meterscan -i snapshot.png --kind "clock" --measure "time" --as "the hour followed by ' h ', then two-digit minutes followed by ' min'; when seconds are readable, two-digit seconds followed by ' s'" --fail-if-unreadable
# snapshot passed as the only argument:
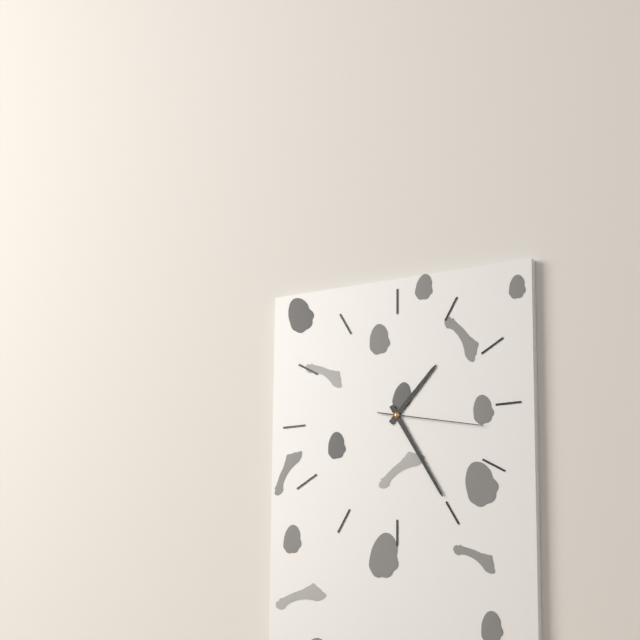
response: 1 h 25 min 17 s
